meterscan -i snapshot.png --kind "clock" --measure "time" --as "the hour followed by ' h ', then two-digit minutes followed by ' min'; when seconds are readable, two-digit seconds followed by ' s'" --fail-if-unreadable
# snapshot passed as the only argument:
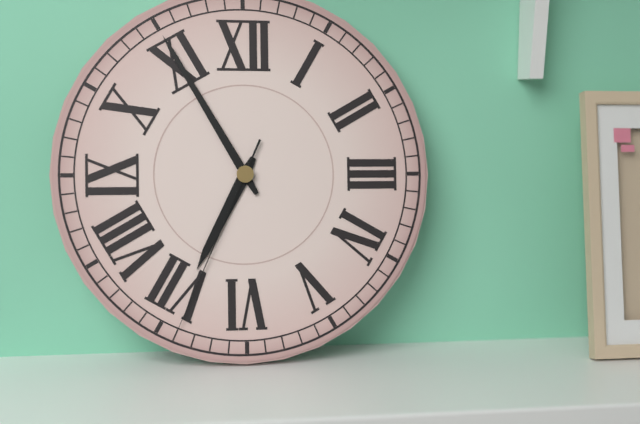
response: 6 h 55 min 34 s
